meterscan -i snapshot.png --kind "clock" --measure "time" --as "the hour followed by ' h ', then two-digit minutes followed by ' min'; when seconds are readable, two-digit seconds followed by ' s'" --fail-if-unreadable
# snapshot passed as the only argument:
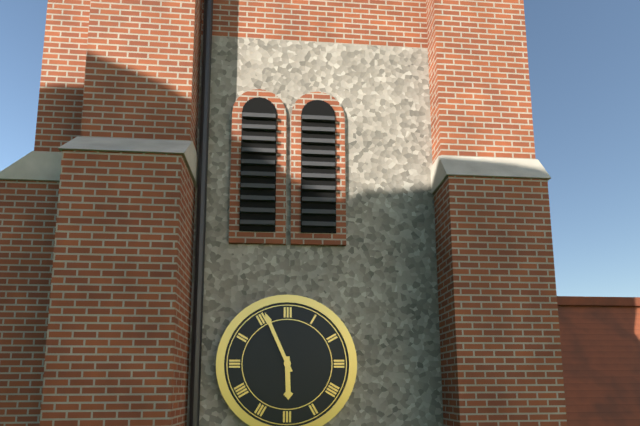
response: 5 h 56 min
